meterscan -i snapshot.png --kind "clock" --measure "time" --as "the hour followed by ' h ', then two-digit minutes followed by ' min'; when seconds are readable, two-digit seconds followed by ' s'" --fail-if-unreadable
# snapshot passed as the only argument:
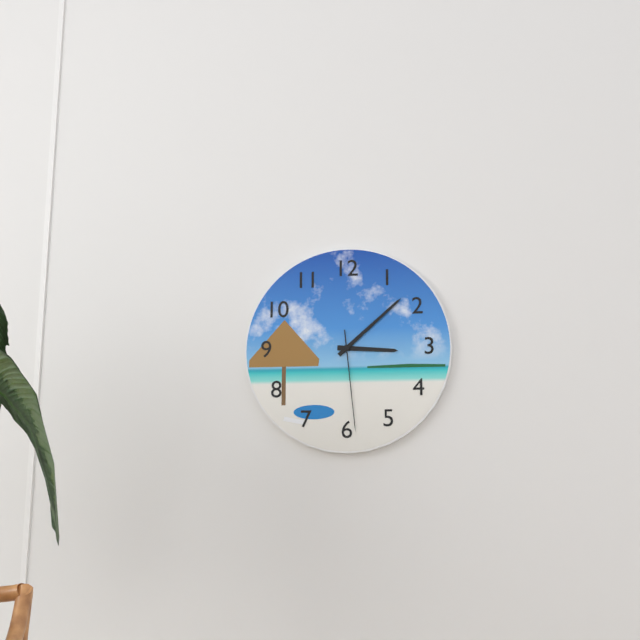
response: 3 h 08 min 29 s
